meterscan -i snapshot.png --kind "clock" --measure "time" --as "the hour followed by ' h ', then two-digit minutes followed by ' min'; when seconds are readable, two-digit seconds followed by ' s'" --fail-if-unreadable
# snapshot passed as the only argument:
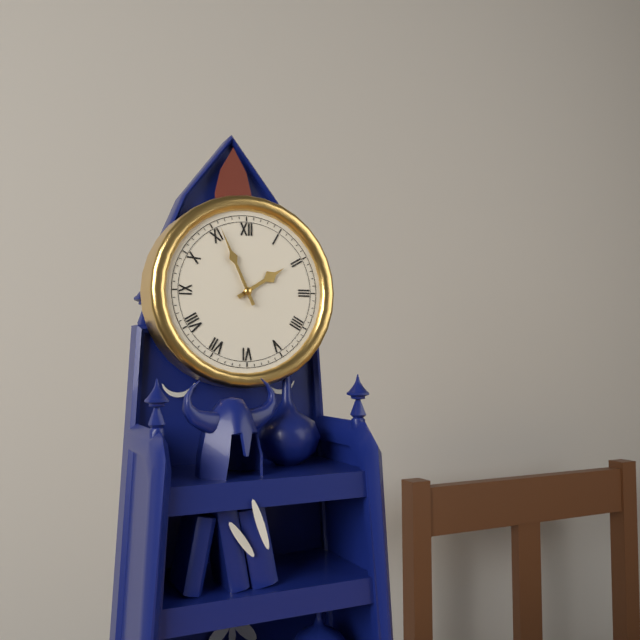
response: 1 h 56 min
